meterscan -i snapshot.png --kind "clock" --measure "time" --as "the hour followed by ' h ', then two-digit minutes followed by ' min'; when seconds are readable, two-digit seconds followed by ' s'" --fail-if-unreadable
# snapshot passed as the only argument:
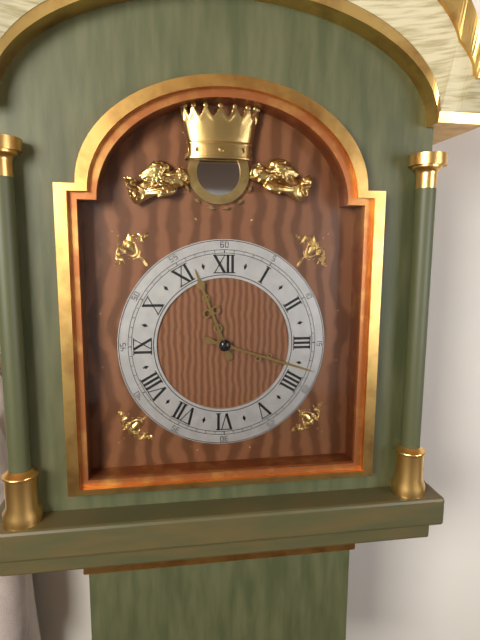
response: 11 h 18 min
